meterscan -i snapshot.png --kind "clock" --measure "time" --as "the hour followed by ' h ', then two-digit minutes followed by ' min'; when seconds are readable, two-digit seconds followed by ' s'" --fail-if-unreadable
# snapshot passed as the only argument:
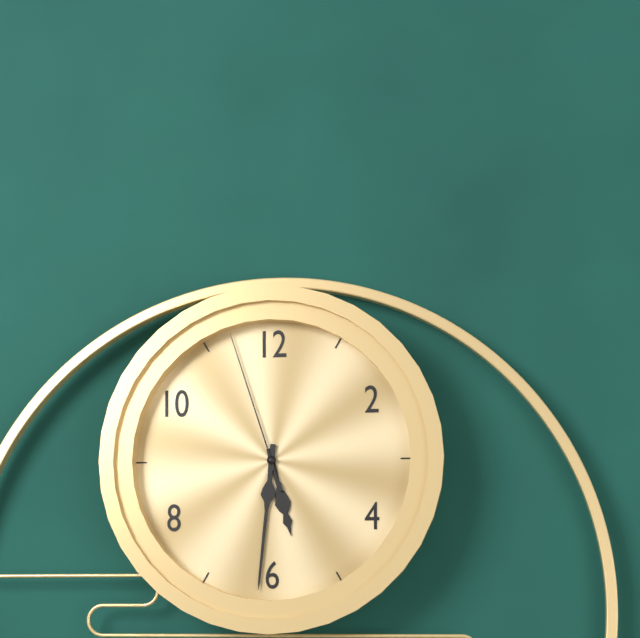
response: 5 h 31 min 57 s
